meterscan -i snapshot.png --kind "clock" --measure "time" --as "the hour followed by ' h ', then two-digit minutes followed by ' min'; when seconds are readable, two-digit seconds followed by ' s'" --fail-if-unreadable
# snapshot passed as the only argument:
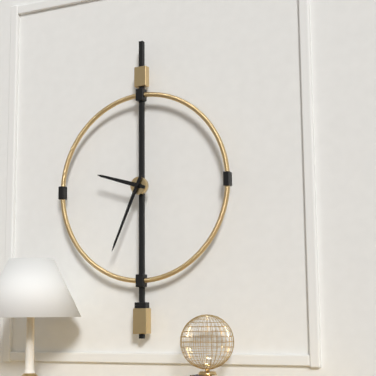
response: 9 h 34 min
